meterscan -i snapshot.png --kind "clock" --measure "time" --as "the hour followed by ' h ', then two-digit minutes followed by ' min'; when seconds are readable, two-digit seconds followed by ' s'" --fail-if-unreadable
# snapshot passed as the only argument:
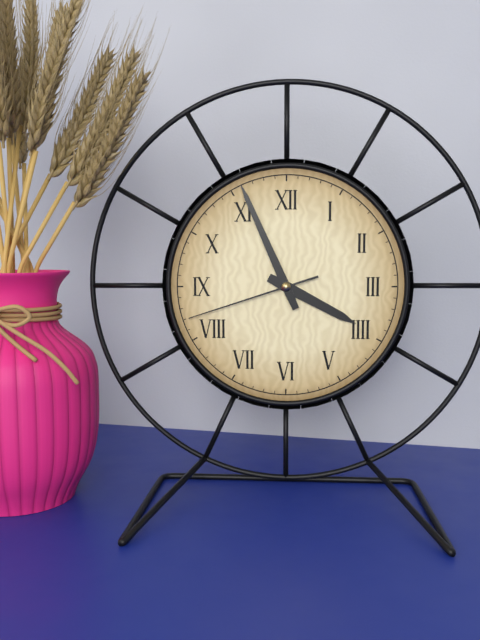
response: 3 h 56 min 42 s
